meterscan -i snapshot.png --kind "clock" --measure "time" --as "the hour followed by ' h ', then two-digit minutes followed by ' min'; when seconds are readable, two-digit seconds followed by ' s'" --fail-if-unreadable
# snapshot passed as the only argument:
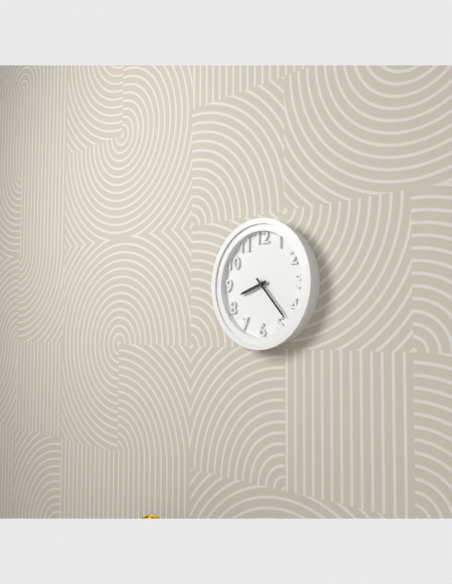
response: 8 h 23 min
